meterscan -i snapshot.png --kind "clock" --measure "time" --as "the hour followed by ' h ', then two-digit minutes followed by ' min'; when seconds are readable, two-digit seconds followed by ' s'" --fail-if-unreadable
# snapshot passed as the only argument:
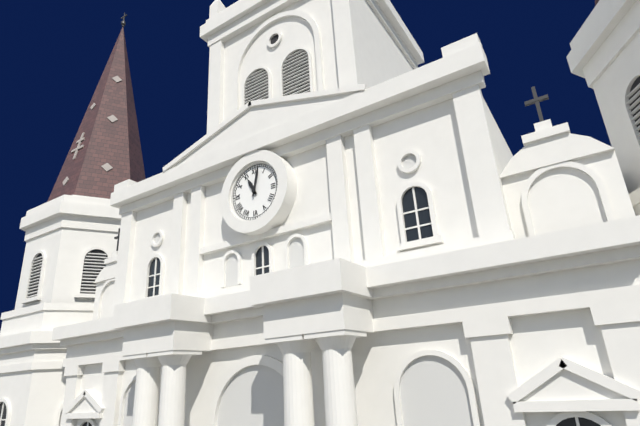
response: 11 h 02 min
